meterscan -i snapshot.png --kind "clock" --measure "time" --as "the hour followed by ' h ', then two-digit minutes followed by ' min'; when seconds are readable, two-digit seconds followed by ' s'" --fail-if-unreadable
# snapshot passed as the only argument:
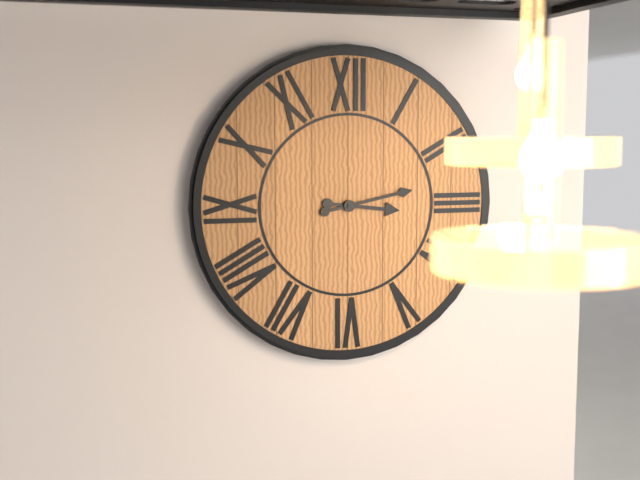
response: 3 h 13 min
